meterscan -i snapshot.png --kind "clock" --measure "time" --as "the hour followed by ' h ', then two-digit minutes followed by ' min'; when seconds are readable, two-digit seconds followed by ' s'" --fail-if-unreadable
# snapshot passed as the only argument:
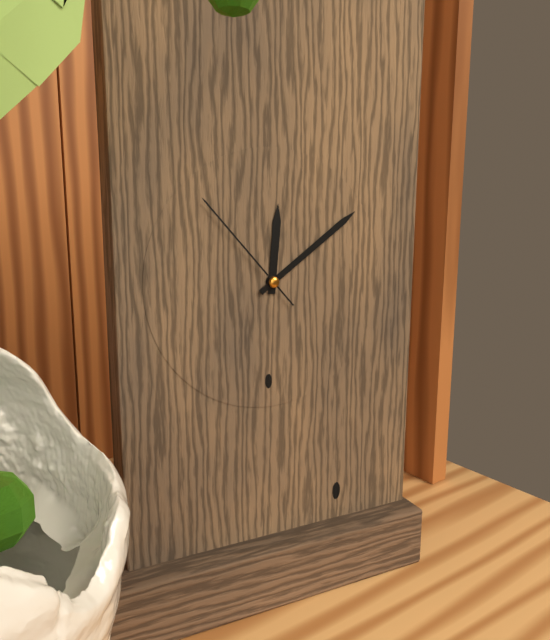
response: 12 h 09 min 53 s
